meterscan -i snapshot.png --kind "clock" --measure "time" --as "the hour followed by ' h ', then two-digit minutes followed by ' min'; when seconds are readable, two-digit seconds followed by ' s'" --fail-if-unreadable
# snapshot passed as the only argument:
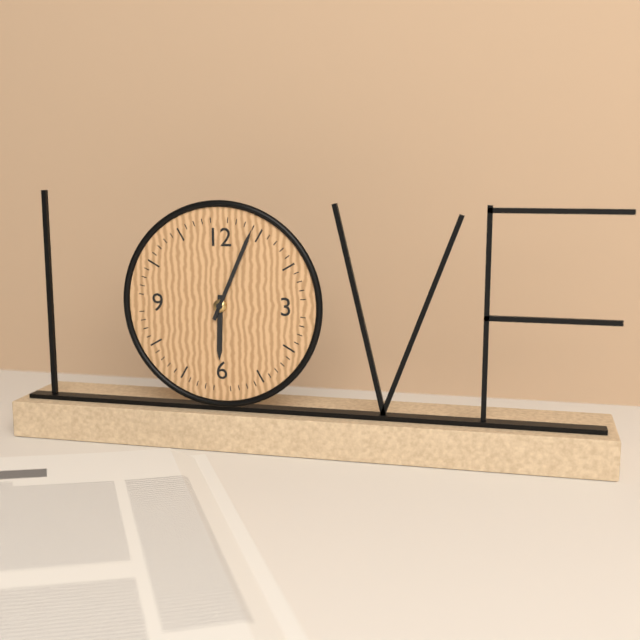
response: 6 h 04 min
